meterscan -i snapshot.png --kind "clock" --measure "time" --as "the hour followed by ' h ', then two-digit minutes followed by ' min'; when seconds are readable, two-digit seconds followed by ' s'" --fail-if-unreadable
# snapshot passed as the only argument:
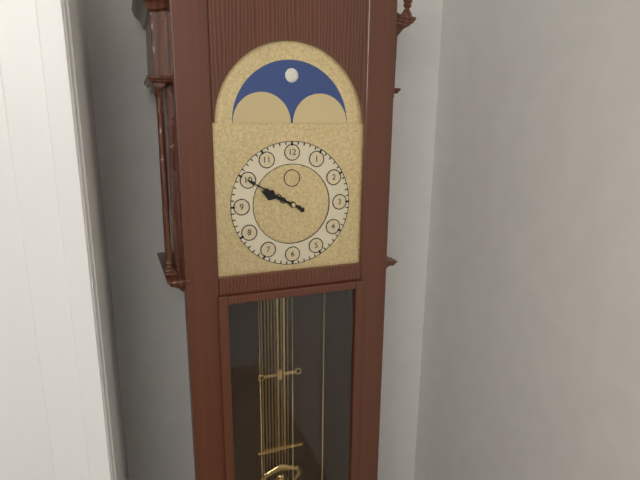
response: 9 h 50 min
